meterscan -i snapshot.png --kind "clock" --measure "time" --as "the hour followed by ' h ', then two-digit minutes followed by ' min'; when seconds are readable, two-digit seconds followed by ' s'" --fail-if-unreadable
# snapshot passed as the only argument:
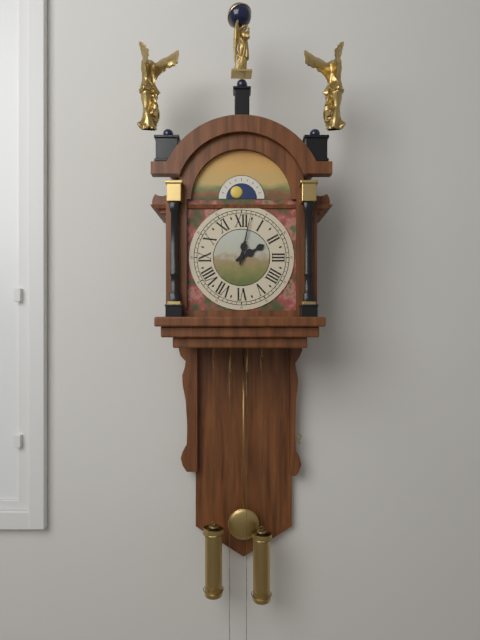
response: 2 h 02 min
